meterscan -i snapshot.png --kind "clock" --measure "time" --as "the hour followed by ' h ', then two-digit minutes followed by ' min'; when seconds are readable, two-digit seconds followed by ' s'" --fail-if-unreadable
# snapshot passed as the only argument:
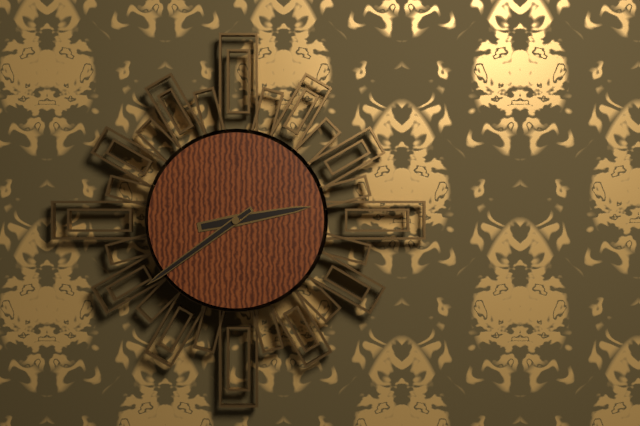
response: 2 h 39 min
